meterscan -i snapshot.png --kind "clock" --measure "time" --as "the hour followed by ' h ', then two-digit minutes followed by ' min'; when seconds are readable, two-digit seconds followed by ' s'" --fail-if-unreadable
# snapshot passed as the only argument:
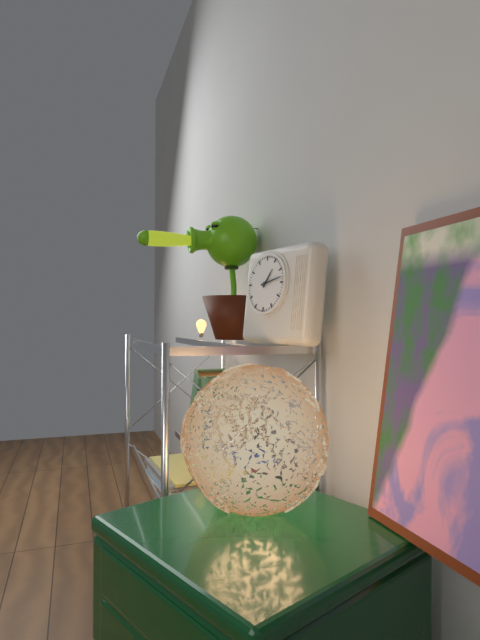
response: 1 h 13 min
